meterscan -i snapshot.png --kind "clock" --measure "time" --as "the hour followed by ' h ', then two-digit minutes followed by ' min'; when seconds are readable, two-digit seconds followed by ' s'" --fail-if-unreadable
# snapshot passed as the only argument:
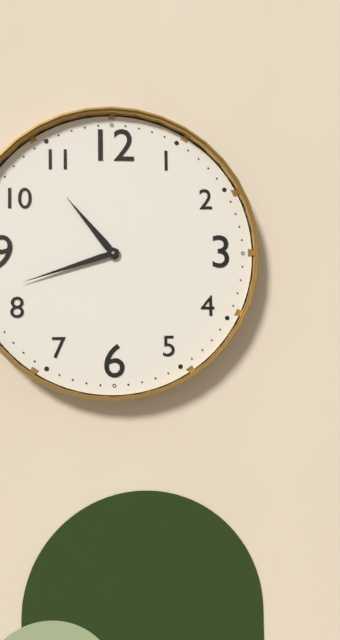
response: 10 h 42 min
